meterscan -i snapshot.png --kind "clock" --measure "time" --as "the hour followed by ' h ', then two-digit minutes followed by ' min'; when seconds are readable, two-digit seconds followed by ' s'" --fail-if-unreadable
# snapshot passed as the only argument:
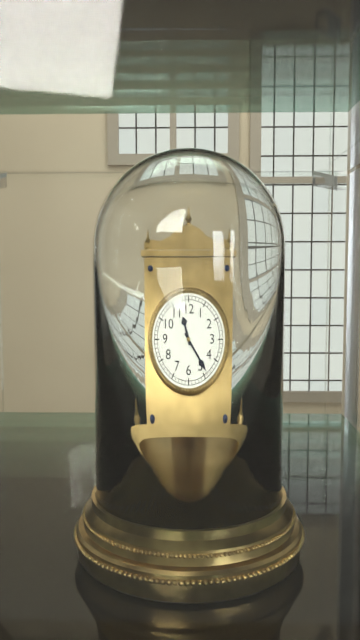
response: 11 h 24 min
